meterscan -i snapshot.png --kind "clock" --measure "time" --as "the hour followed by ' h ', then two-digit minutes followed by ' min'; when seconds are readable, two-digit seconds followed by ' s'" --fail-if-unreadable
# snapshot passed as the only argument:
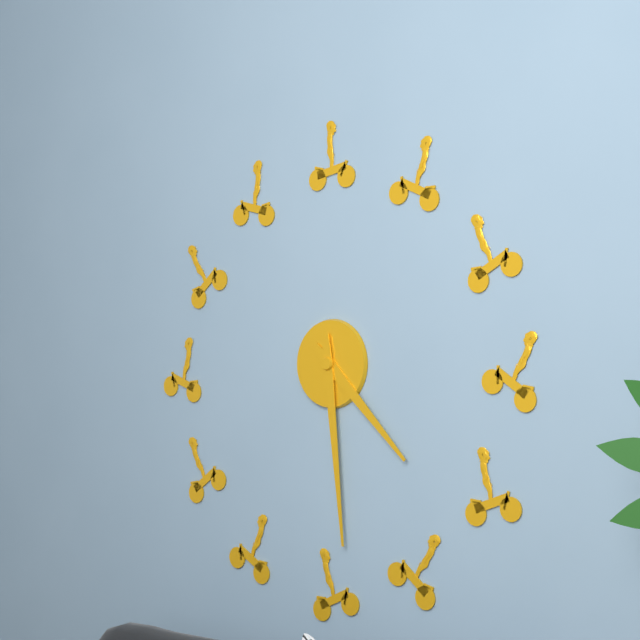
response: 4 h 29 min
